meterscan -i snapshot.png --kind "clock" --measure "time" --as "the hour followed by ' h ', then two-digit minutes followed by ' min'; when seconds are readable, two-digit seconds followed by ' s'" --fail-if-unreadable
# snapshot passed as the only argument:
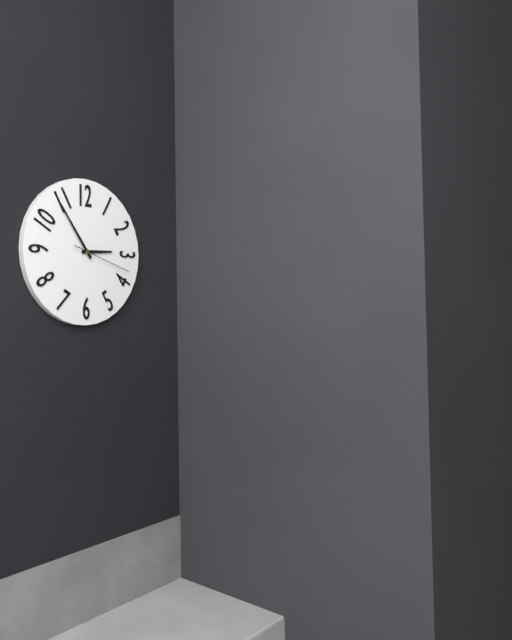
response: 2 h 54 min 18 s
